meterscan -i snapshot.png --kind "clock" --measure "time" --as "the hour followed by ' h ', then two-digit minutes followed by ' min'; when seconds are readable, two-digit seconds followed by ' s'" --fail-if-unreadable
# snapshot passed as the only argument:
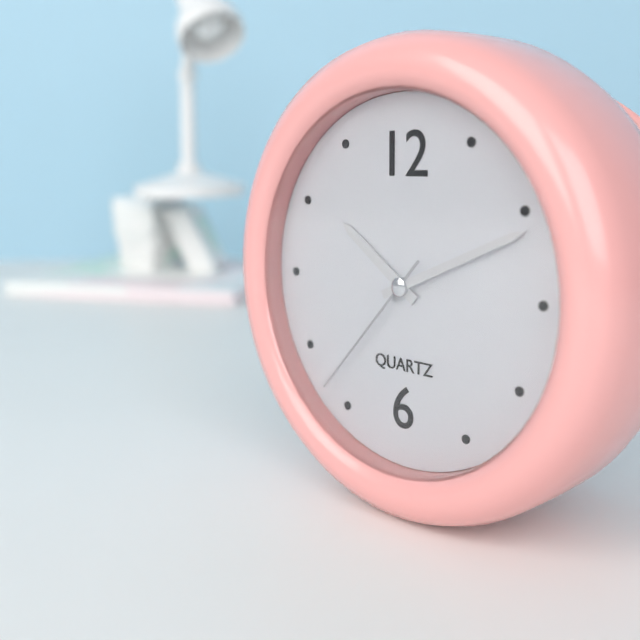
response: 10 h 11 min 37 s
